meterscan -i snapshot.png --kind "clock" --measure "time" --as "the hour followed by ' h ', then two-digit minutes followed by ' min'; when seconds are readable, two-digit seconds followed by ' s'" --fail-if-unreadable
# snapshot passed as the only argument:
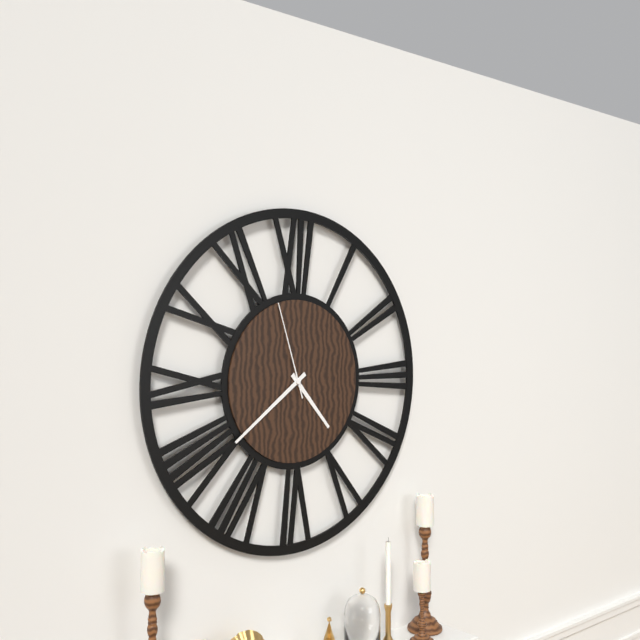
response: 4 h 39 min 57 s
